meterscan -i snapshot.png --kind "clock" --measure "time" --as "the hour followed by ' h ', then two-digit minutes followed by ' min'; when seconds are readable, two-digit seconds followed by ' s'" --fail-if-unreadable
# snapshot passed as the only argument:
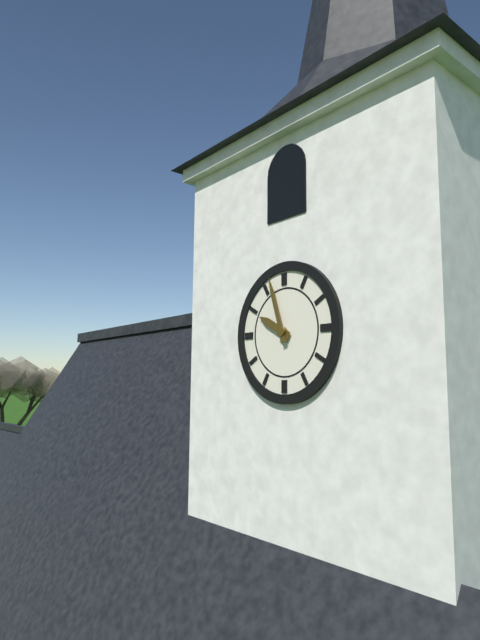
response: 9 h 57 min
